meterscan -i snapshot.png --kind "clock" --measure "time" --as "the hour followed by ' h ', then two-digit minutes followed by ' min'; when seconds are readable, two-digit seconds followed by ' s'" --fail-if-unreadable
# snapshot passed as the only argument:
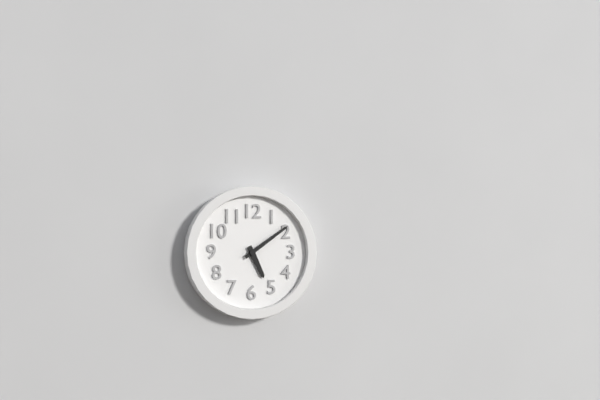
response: 5 h 09 min
